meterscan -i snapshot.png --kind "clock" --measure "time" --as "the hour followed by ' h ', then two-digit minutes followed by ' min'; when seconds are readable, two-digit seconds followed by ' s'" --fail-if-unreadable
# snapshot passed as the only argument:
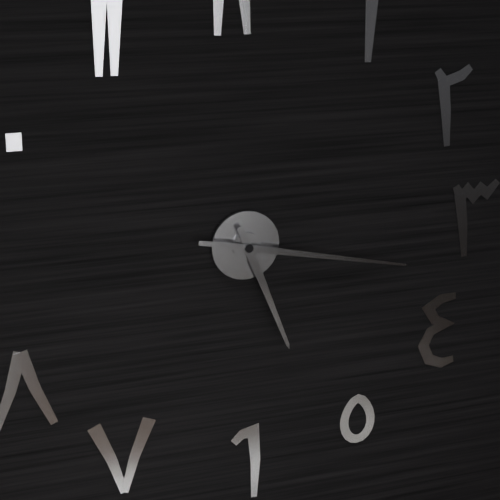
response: 5 h 17 min
